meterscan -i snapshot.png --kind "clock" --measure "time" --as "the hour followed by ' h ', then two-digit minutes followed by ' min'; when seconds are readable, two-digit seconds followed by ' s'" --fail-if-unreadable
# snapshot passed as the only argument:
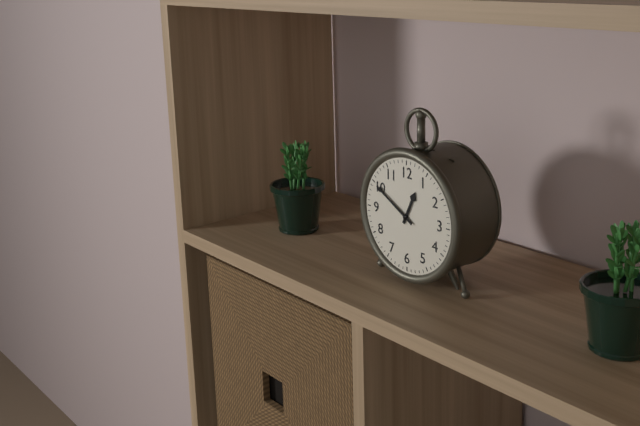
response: 12 h 50 min
